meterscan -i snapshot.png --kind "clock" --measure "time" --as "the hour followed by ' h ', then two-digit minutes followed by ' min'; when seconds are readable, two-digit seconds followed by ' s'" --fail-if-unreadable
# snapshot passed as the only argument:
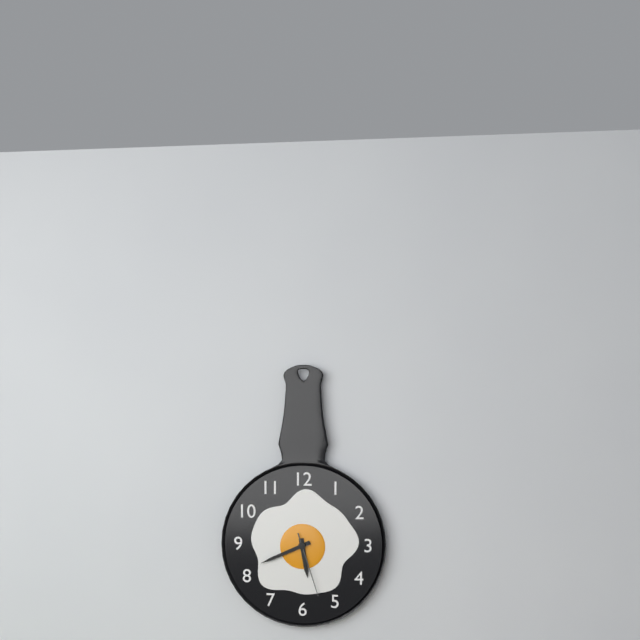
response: 5 h 41 min 27 s
